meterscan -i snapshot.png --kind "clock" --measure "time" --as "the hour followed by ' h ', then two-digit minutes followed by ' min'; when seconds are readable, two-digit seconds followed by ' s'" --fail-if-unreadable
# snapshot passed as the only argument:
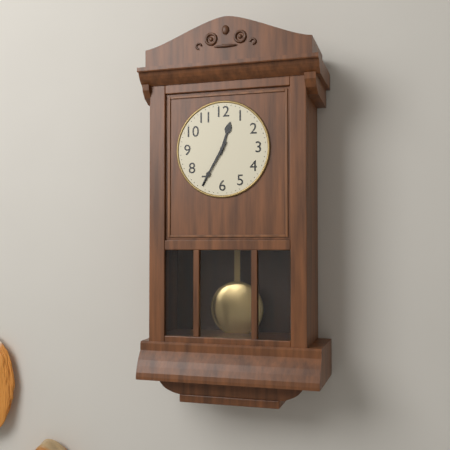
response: 12 h 35 min
